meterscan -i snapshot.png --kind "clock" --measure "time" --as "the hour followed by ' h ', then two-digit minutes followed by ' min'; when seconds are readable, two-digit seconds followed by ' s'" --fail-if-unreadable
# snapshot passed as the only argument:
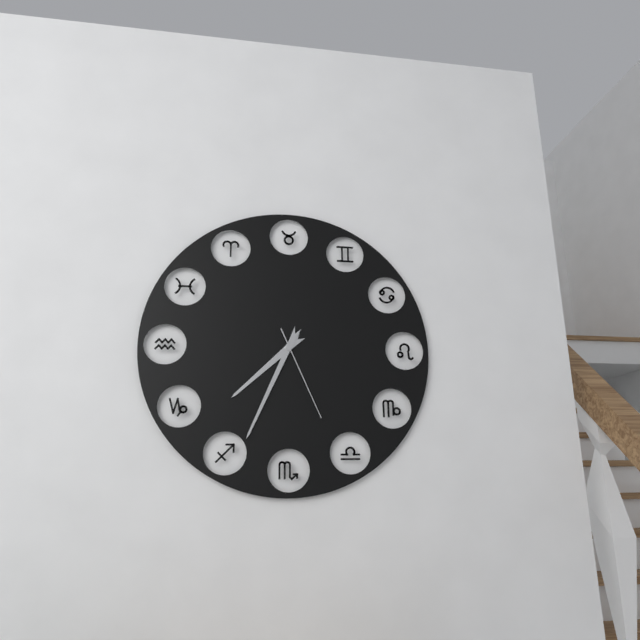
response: 7 h 34 min 26 s
